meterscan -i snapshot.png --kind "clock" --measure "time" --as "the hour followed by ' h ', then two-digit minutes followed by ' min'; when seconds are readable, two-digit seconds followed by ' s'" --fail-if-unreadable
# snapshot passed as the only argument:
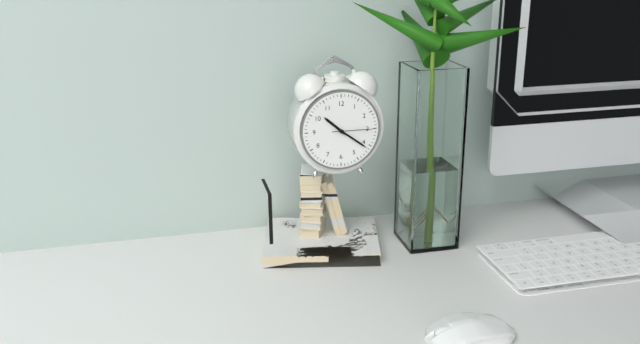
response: 10 h 21 min
